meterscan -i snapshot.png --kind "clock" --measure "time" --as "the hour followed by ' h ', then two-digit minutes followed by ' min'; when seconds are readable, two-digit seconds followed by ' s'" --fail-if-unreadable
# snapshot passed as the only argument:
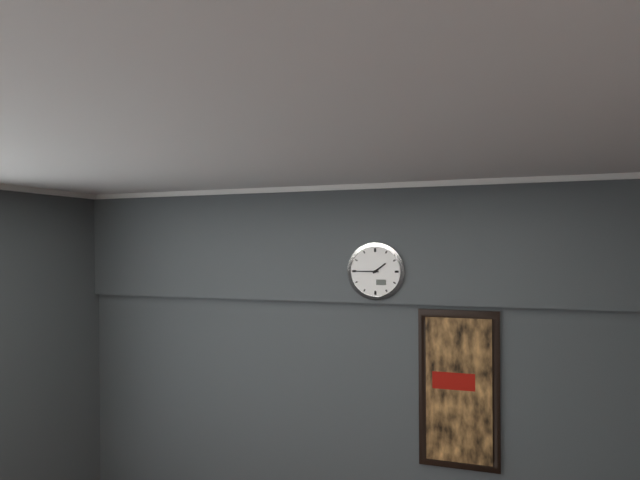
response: 1 h 45 min
